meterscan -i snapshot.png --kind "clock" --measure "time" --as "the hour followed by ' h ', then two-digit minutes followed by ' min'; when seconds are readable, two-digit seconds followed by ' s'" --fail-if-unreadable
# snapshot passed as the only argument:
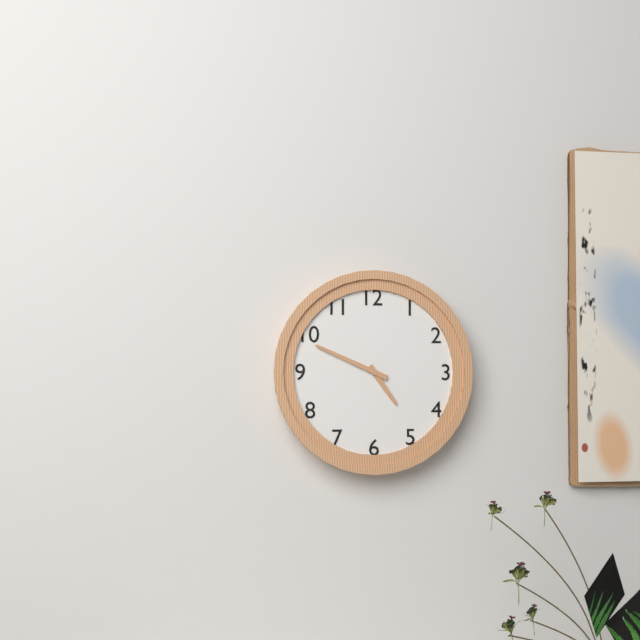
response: 4 h 49 min
